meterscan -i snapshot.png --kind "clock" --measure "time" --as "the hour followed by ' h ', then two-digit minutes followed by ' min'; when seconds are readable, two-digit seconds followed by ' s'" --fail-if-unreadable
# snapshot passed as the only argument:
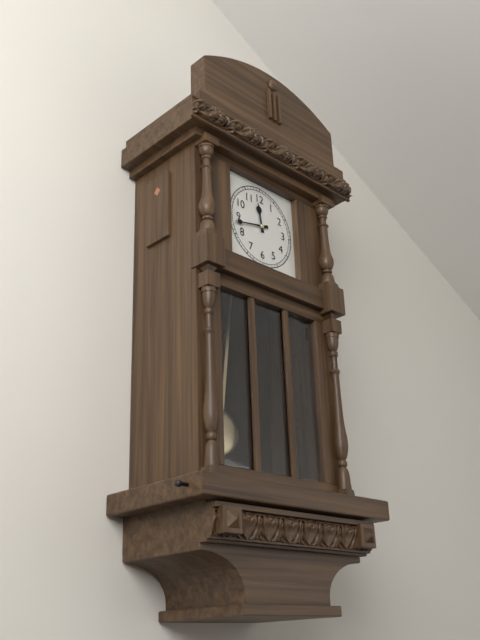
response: 11 h 43 min
